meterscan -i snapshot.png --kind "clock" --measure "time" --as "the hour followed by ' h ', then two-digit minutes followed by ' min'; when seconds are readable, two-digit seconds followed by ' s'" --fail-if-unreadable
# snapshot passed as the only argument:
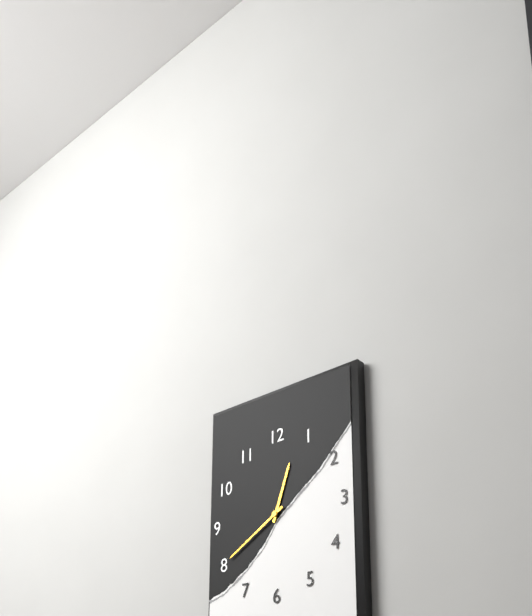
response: 12 h 40 min
